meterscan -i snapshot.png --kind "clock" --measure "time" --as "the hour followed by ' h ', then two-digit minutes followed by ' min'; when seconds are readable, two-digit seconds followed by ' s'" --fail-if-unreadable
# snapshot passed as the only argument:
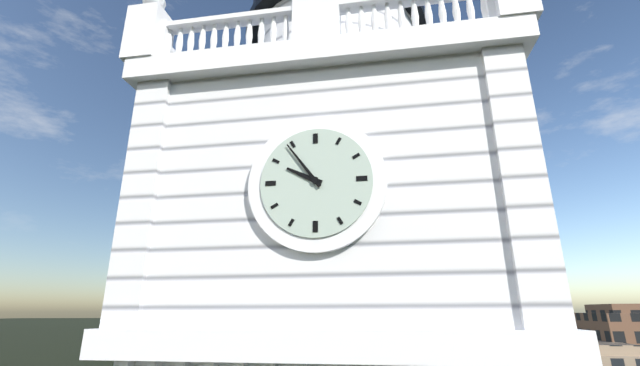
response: 9 h 54 min
